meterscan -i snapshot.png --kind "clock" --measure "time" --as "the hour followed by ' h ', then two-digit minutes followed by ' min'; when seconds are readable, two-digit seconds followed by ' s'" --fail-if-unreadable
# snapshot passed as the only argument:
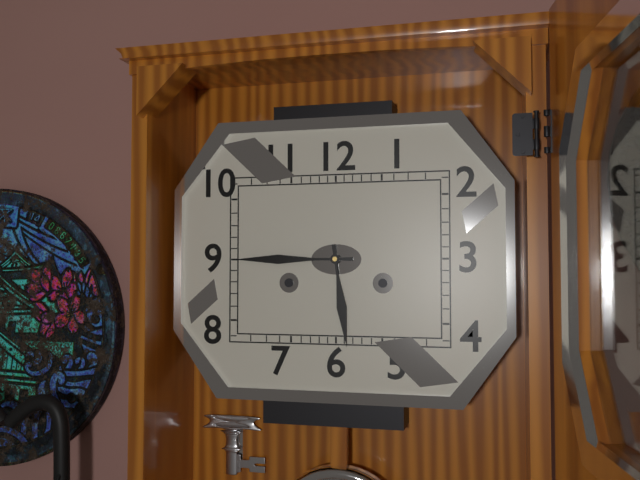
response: 5 h 45 min
